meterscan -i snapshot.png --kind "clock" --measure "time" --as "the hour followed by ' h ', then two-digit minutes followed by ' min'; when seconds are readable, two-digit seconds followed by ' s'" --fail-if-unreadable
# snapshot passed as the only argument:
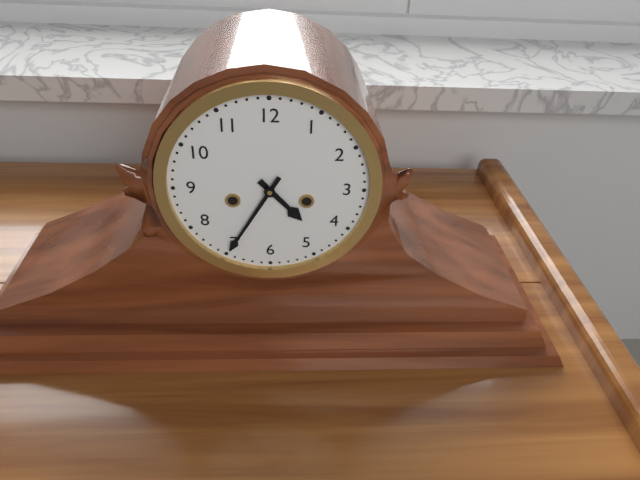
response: 4 h 35 min
